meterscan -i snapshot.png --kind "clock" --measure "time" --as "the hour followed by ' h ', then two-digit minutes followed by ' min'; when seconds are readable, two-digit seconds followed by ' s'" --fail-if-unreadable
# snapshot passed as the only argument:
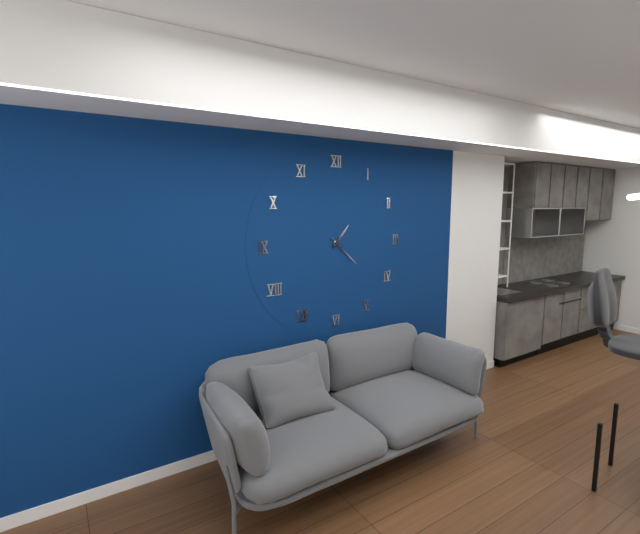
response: 1 h 22 min
